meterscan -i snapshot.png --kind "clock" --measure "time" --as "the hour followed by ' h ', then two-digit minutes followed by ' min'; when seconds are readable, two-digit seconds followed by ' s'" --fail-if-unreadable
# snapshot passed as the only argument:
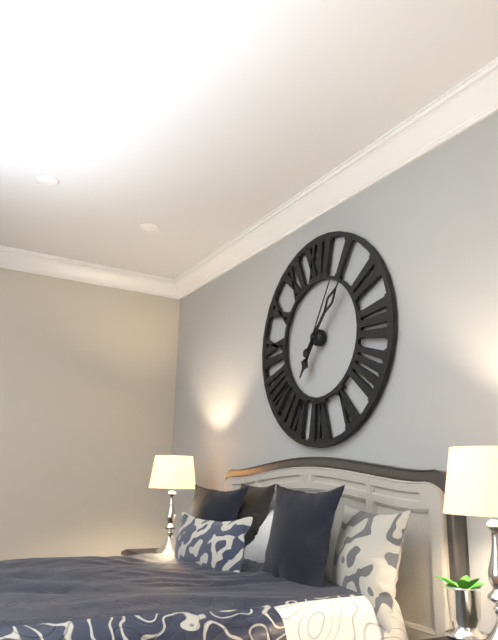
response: 7 h 07 min 05 s
